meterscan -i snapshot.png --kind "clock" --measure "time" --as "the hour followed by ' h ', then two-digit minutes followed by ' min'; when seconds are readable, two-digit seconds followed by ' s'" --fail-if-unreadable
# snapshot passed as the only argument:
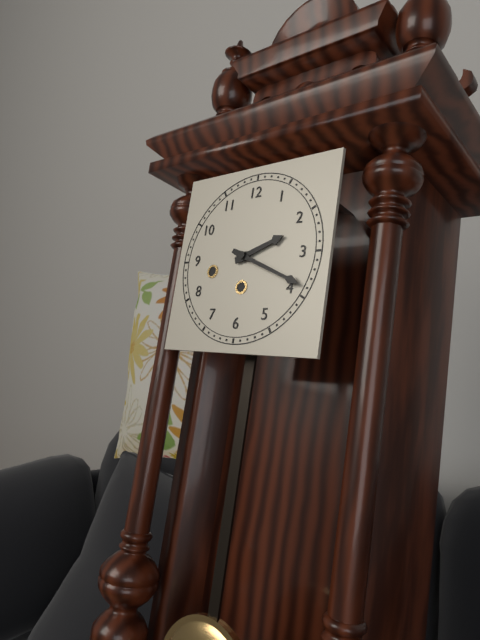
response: 2 h 19 min
